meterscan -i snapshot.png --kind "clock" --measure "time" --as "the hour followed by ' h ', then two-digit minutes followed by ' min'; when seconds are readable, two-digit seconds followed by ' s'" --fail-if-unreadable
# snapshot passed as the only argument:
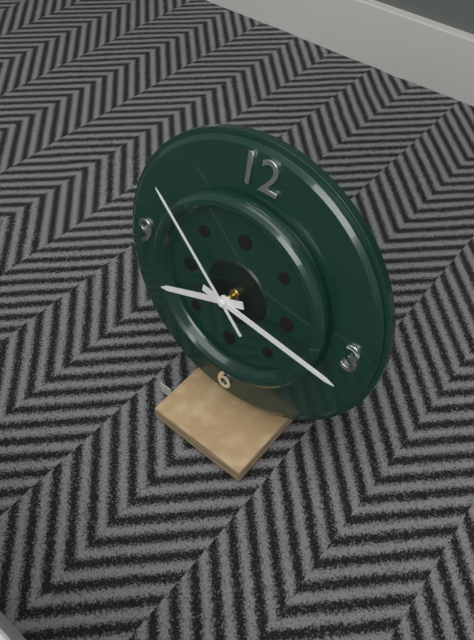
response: 8 h 16 min 52 s
